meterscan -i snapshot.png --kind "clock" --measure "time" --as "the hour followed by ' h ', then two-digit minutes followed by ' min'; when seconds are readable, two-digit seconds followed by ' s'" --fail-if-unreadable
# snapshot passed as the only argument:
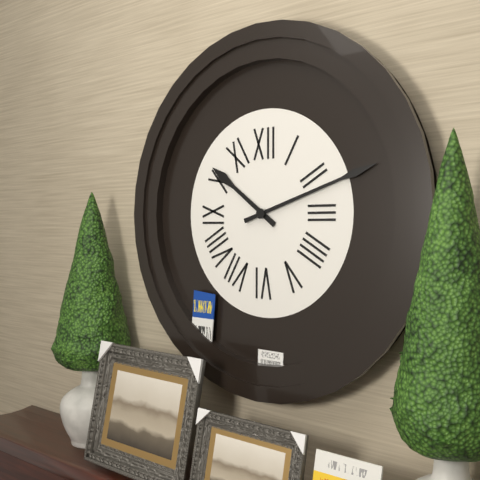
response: 10 h 12 min
